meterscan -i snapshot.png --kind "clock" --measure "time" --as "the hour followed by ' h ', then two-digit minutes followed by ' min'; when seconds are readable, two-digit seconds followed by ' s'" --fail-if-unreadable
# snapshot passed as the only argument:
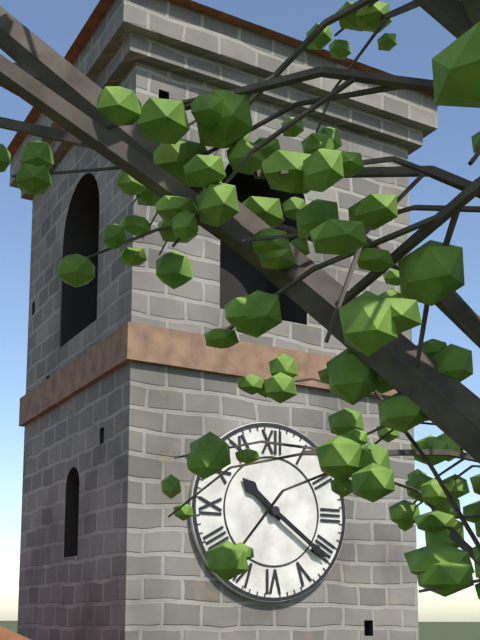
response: 10 h 21 min
